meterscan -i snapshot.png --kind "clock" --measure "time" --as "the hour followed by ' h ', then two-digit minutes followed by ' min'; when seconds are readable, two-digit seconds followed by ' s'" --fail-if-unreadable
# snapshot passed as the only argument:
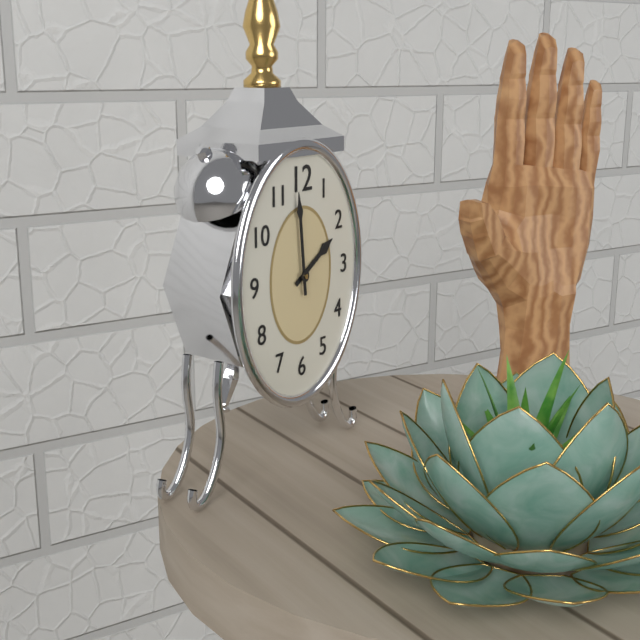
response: 1 h 59 min
